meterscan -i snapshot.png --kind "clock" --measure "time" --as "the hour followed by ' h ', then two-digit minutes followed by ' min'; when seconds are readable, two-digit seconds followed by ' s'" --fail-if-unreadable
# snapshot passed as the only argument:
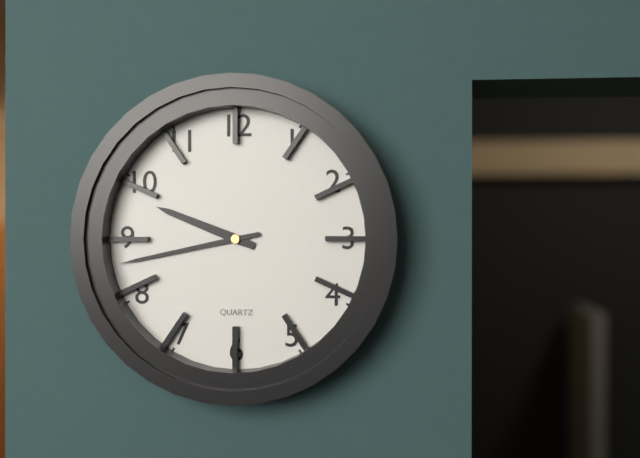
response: 9 h 43 min
